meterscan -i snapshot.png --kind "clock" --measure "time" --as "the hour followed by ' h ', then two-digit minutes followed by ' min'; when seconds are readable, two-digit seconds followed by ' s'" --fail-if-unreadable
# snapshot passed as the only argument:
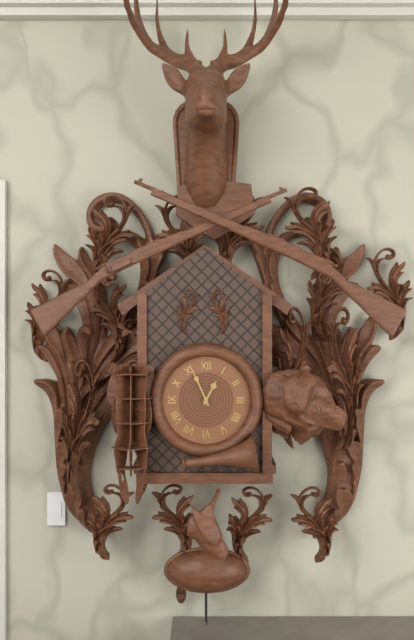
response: 12 h 56 min
